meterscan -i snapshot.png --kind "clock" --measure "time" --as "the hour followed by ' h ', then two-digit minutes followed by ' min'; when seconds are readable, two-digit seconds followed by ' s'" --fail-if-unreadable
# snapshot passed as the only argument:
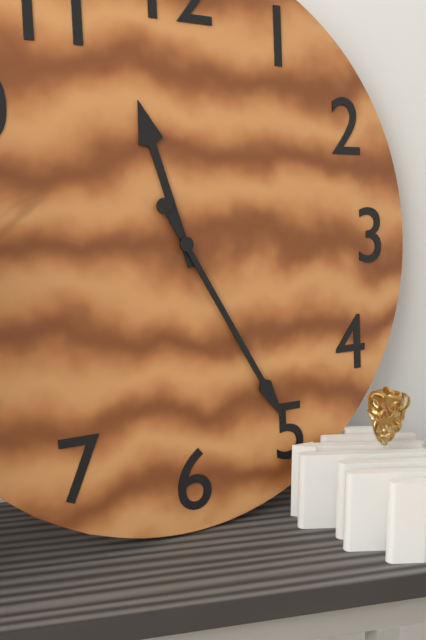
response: 11 h 25 min
